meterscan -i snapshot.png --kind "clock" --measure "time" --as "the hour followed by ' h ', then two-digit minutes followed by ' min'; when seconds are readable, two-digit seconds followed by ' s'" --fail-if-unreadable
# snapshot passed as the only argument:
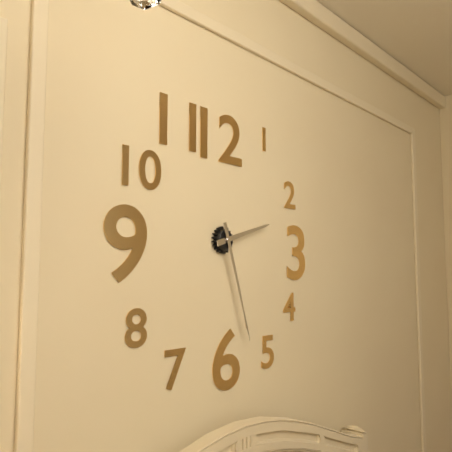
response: 2 h 27 min
